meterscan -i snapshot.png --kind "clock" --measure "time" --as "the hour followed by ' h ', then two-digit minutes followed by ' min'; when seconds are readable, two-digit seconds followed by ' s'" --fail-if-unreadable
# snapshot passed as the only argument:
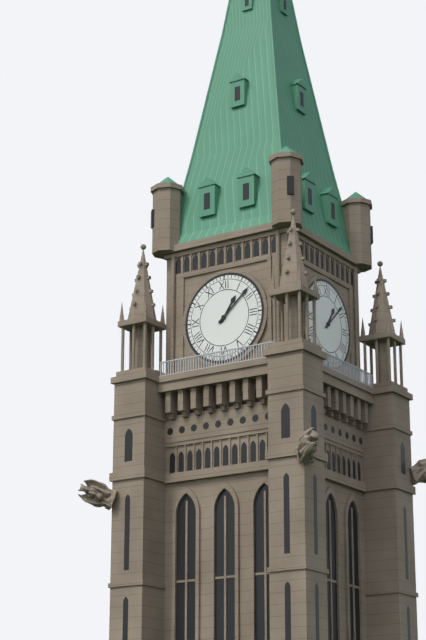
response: 1 h 08 min
